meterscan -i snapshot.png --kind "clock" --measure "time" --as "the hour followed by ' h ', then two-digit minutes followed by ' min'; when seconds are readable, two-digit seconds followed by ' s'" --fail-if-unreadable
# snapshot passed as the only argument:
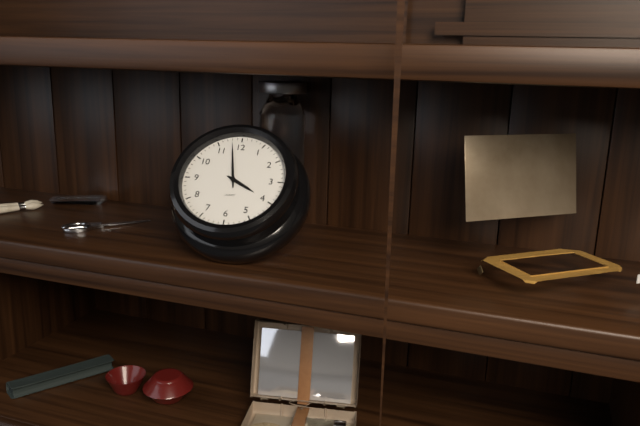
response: 3 h 58 min
